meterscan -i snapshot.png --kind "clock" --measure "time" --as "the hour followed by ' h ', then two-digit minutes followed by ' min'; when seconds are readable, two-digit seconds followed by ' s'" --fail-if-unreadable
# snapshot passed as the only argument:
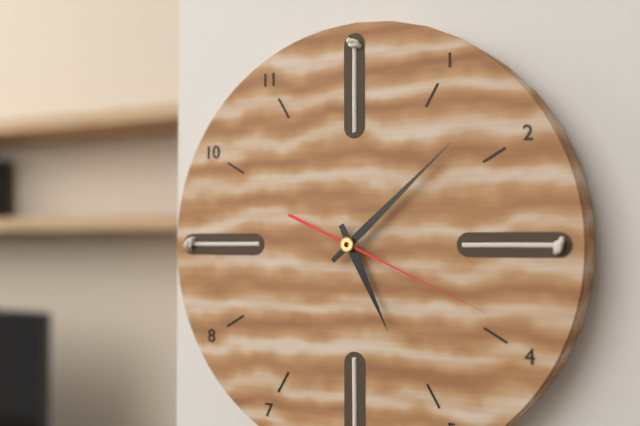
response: 5 h 08 min 19 s
